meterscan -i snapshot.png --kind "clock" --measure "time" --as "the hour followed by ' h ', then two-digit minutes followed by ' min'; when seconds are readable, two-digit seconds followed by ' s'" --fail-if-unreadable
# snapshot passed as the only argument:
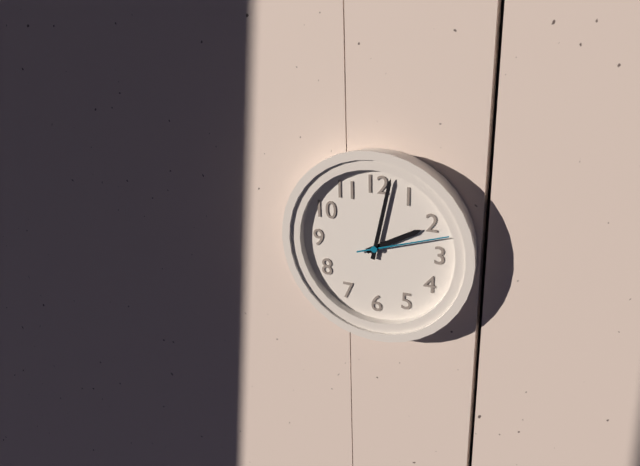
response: 2 h 02 min 12 s
